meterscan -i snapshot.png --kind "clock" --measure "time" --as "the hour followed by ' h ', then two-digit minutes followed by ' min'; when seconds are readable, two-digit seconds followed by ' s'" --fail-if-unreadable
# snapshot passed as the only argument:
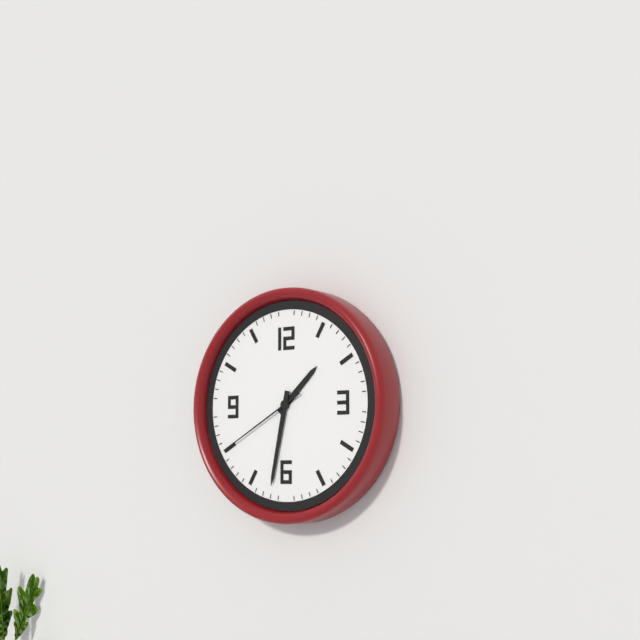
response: 1 h 32 min 40 s
